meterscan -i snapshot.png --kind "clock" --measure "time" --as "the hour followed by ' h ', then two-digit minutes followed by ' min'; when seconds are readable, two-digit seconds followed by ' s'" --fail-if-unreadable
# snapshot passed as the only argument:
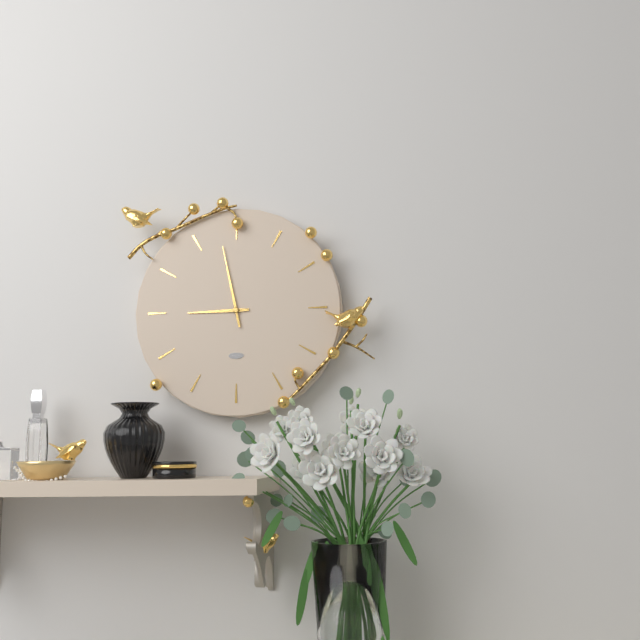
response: 8 h 58 min
